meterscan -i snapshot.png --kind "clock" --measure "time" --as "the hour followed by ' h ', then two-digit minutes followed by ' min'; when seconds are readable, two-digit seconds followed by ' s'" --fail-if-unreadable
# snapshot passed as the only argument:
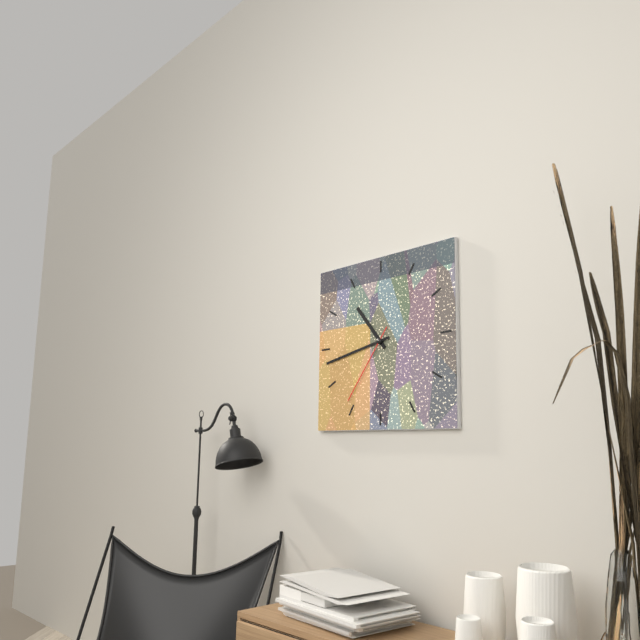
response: 10 h 43 min 36 s
